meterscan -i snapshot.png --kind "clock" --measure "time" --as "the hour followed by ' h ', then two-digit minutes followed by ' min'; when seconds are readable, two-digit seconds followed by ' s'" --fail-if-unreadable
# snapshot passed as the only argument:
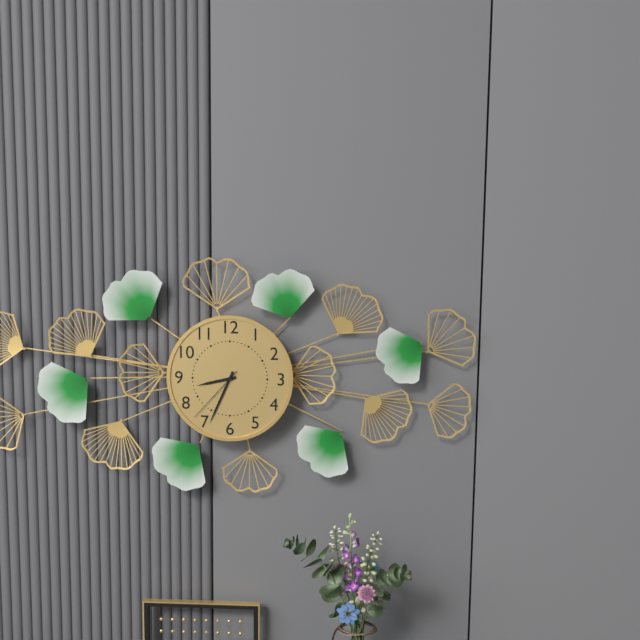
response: 8 h 34 min 37 s
